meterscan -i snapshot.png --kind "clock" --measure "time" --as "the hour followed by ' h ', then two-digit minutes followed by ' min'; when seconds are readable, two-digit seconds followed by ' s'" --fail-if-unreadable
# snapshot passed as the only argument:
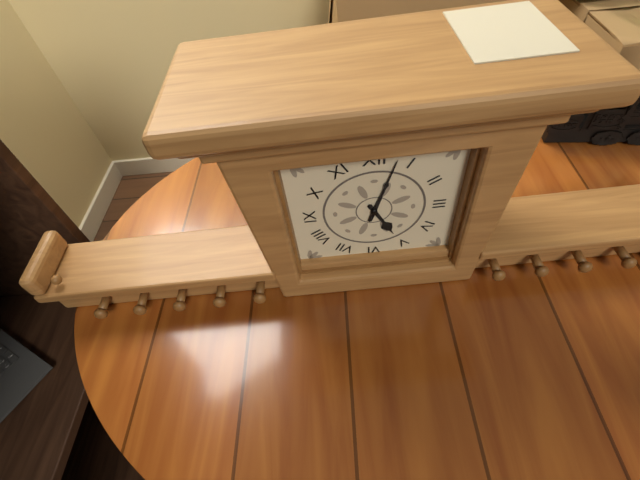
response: 5 h 03 min
